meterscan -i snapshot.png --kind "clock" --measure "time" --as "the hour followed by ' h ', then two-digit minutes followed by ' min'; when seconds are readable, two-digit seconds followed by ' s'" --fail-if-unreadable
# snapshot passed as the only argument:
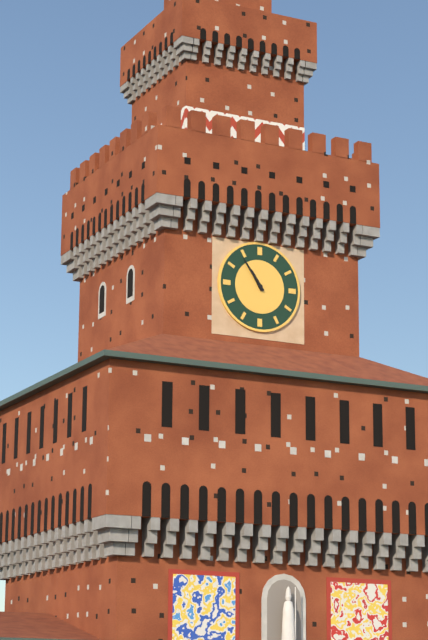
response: 10 h 54 min
